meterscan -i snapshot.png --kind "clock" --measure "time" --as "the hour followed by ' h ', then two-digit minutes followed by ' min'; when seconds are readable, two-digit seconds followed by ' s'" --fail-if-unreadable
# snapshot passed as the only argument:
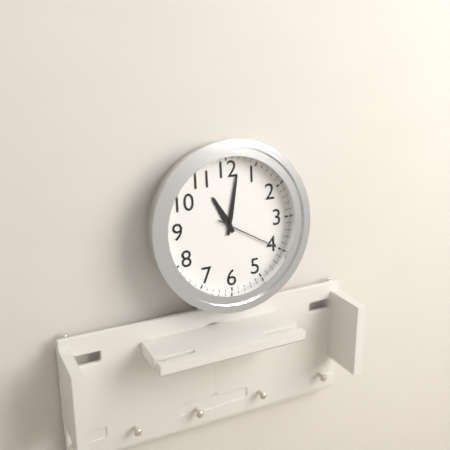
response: 11 h 02 min 20 s
